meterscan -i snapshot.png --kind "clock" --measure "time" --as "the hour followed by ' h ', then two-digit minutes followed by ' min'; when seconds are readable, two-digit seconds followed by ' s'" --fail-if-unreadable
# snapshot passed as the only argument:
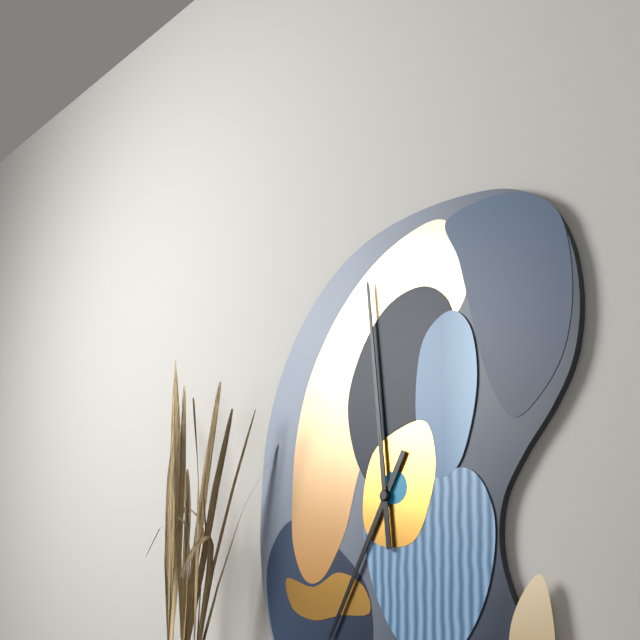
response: 6 h 59 min
